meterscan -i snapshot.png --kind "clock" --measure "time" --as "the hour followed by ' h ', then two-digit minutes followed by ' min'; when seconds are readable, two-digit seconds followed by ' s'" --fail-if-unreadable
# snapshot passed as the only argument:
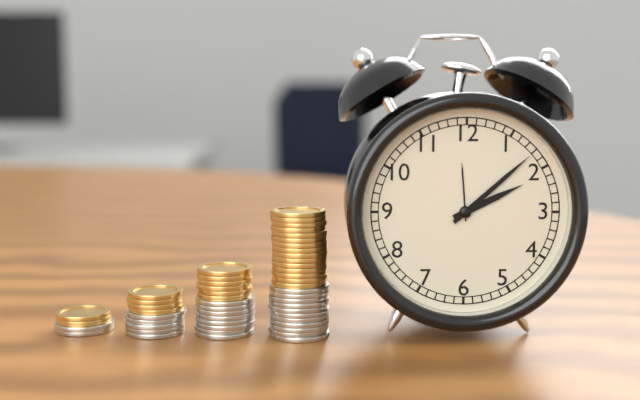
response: 2 h 08 min
